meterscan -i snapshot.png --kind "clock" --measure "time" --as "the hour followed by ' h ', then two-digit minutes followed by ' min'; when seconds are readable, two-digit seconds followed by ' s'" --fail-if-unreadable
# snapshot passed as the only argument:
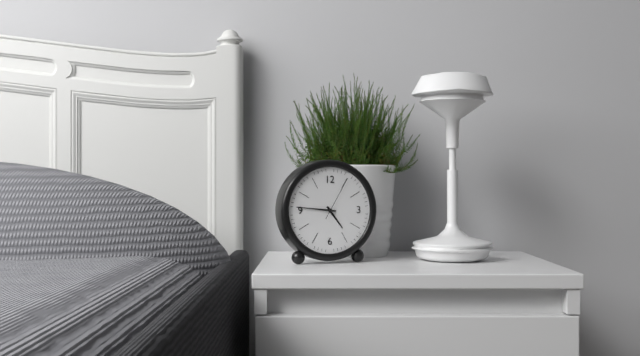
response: 4 h 46 min
